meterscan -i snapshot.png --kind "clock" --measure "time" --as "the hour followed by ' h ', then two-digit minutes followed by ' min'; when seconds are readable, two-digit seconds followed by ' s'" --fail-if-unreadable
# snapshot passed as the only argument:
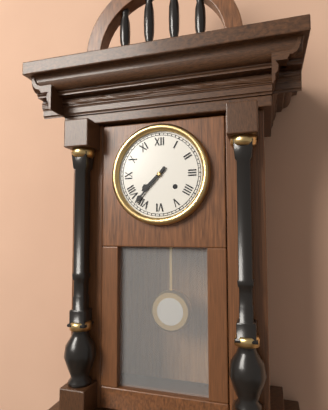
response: 7 h 37 min
